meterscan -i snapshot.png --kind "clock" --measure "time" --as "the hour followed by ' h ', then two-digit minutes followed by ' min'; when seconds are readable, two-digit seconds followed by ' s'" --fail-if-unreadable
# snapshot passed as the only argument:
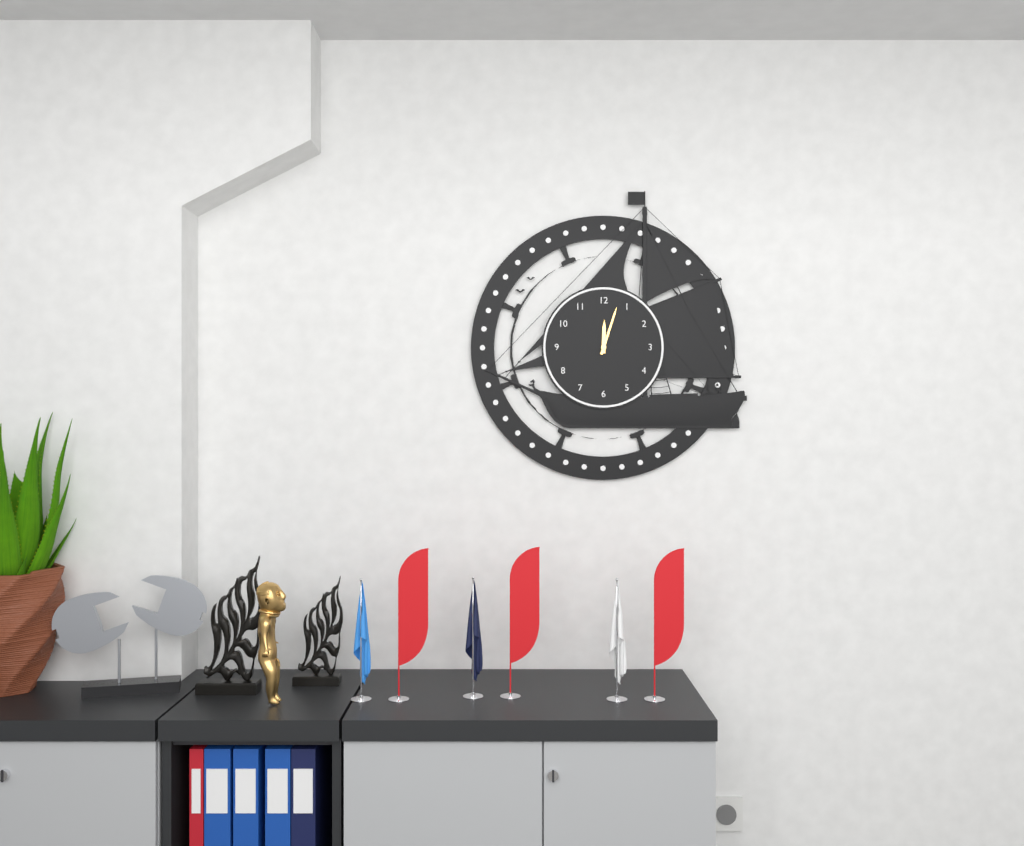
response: 12 h 03 min
